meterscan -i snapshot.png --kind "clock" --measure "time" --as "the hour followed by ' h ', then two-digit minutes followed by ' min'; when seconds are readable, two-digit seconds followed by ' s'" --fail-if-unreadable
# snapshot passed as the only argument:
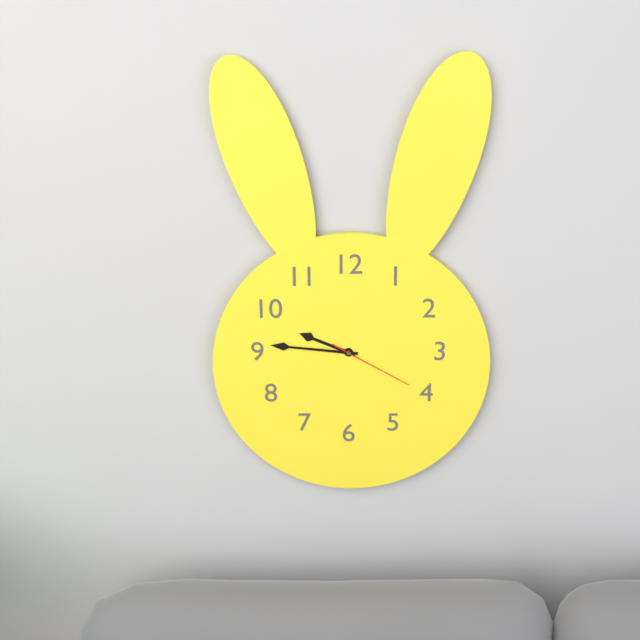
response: 9 h 46 min 20 s
